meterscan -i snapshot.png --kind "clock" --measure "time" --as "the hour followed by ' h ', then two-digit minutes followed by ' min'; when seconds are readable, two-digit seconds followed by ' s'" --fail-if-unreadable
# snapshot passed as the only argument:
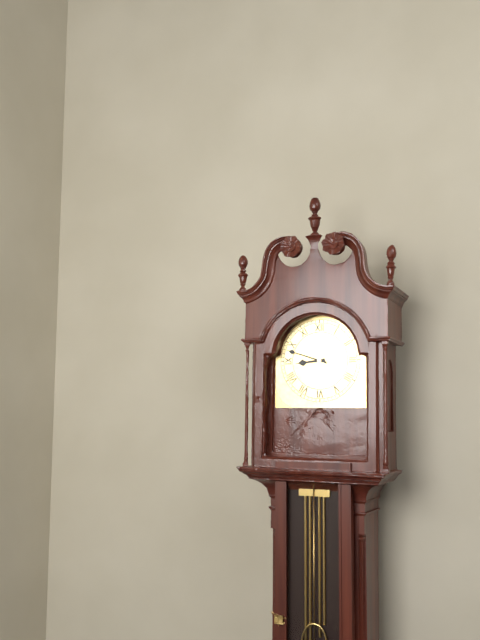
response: 8 h 48 min
